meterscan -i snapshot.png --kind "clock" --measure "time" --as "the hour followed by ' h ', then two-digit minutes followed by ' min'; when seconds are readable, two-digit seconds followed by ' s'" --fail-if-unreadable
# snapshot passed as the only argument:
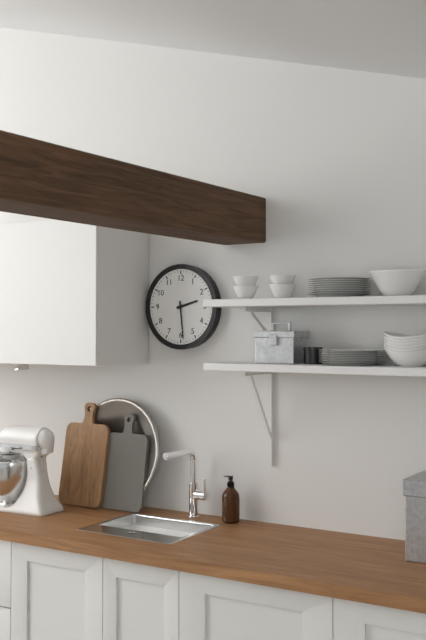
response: 2 h 29 min
